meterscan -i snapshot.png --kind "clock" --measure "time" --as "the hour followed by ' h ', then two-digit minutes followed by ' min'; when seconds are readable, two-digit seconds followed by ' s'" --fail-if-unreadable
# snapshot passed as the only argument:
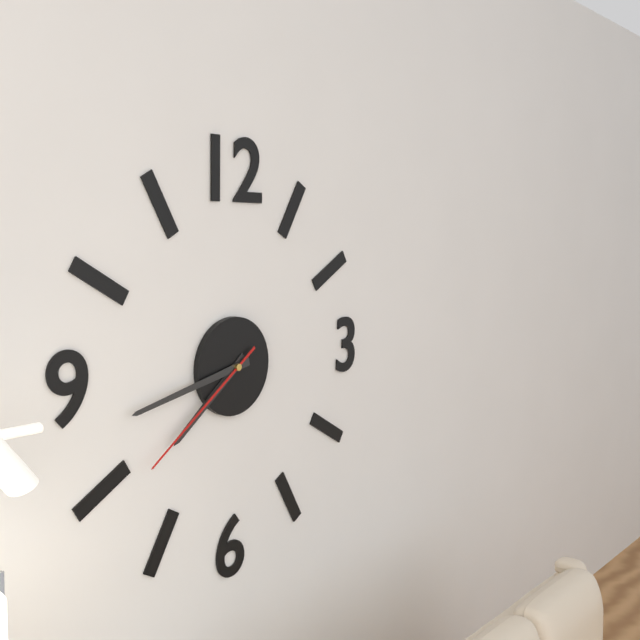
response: 7 h 43 min 39 s
